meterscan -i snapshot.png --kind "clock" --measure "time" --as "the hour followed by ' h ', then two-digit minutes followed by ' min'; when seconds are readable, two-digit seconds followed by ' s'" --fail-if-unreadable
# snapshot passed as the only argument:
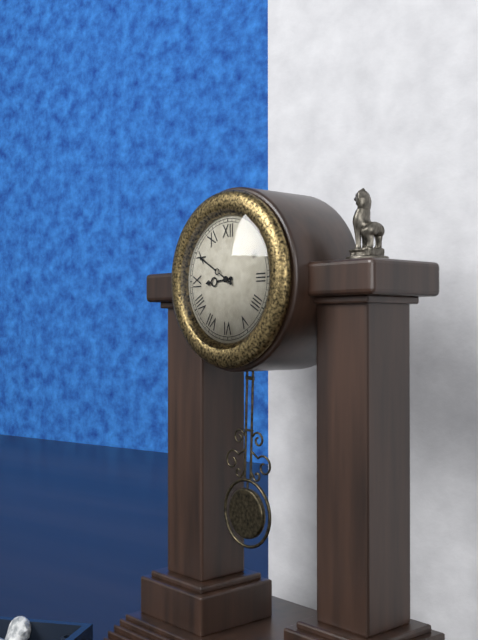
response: 8 h 50 min
